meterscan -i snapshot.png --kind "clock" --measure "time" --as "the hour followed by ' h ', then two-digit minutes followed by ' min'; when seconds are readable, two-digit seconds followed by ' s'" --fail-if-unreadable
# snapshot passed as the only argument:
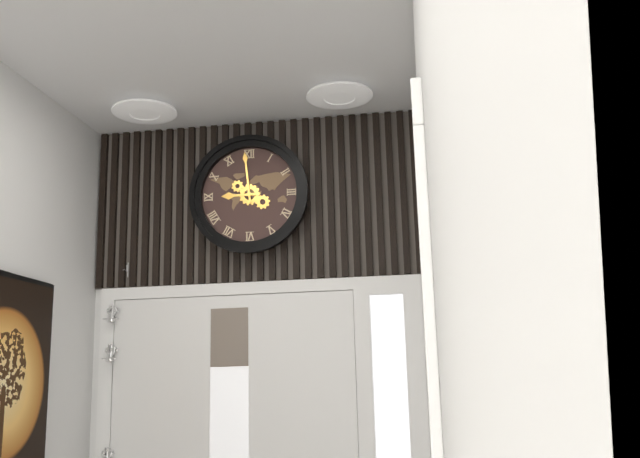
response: 8 h 59 min
